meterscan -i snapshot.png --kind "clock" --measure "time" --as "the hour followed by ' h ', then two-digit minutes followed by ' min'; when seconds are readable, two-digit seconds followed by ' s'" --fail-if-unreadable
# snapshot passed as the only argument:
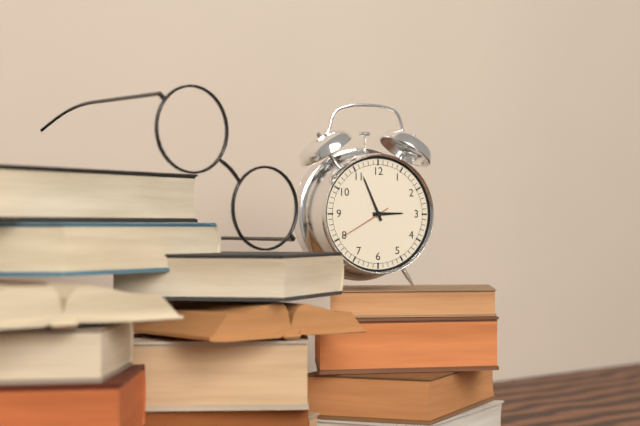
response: 2 h 56 min 40 s
